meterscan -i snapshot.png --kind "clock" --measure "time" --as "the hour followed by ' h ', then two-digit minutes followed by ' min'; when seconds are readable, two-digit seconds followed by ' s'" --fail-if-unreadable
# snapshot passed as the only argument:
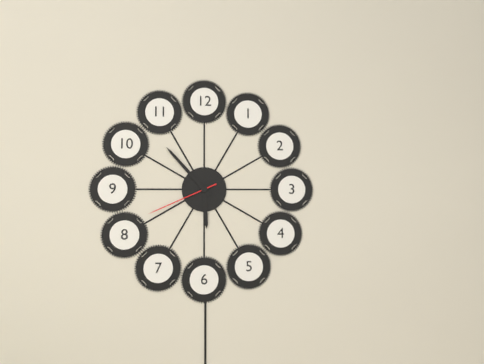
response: 5 h 53 min 41 s
